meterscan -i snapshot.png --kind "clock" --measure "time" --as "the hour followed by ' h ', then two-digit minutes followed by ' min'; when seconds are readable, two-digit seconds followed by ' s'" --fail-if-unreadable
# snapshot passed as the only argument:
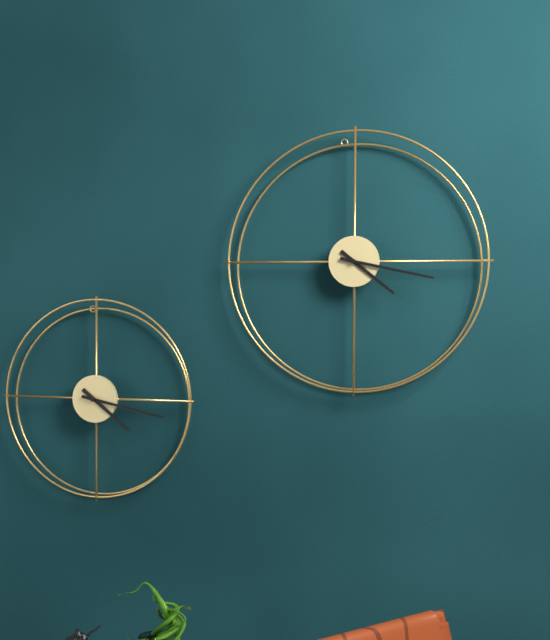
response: 4 h 17 min
